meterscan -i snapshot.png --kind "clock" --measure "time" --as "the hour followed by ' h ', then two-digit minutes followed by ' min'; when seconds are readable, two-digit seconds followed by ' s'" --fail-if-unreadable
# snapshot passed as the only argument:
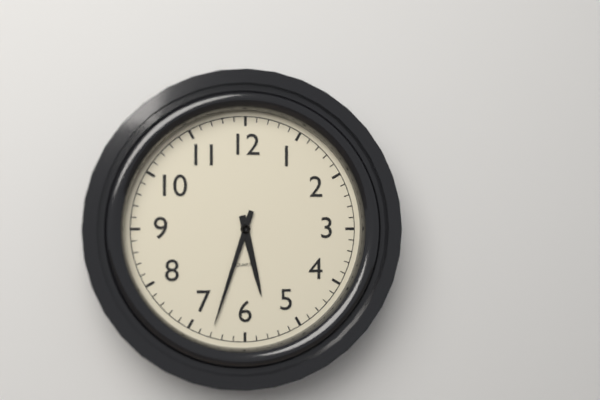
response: 5 h 33 min
